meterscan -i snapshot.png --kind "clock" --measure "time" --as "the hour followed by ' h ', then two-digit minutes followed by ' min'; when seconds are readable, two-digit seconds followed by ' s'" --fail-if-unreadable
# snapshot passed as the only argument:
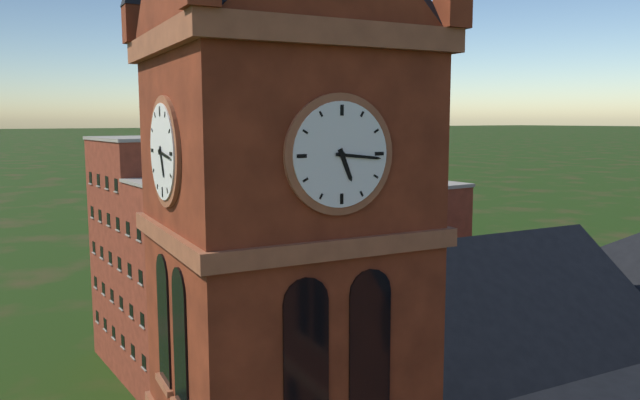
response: 5 h 16 min
